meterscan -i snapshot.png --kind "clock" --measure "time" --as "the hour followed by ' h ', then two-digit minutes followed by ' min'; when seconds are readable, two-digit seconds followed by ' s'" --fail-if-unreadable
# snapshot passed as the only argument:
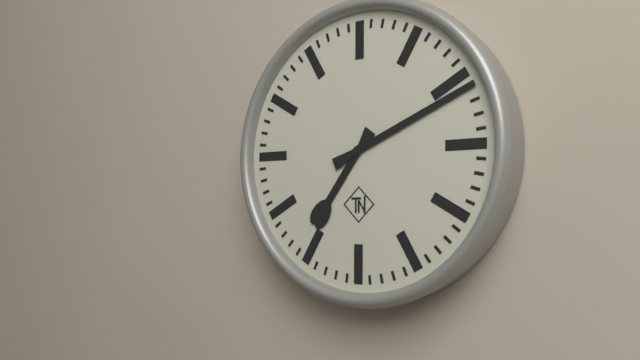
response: 7 h 11 min
